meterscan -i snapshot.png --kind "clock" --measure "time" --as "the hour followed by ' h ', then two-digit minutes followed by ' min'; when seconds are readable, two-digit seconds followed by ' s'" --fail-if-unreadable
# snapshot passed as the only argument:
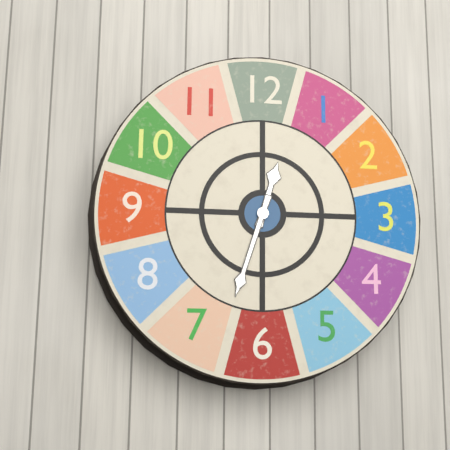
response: 12 h 33 min
